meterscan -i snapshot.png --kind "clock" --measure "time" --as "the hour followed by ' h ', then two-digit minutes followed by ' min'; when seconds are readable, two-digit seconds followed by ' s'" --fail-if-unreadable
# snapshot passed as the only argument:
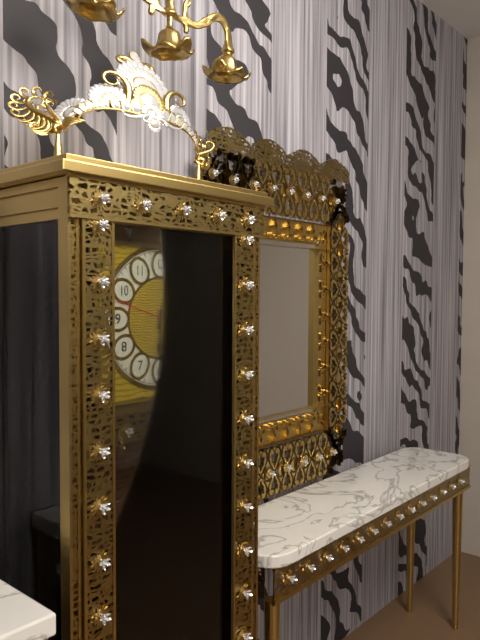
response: 6 h 03 min 48 s
